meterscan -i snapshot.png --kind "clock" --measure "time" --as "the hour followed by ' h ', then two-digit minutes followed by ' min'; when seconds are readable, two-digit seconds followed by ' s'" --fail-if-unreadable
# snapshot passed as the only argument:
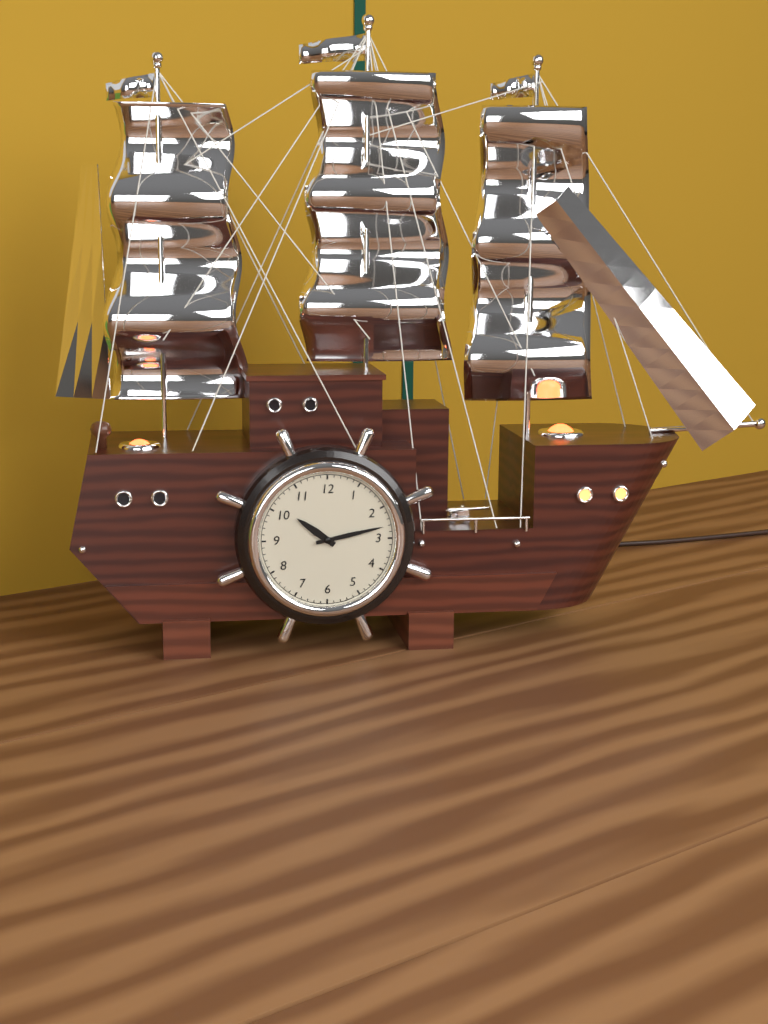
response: 10 h 13 min
